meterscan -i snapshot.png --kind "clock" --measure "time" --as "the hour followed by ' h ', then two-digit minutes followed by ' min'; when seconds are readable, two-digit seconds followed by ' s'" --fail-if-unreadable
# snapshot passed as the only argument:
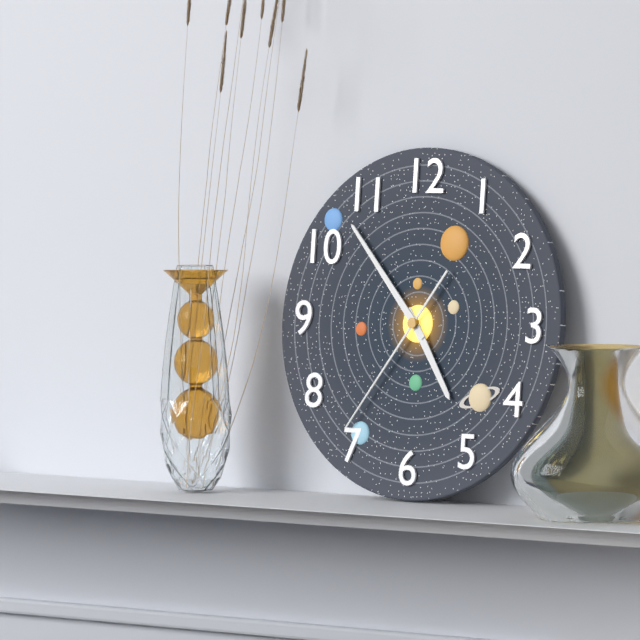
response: 4 h 53 min 36 s
